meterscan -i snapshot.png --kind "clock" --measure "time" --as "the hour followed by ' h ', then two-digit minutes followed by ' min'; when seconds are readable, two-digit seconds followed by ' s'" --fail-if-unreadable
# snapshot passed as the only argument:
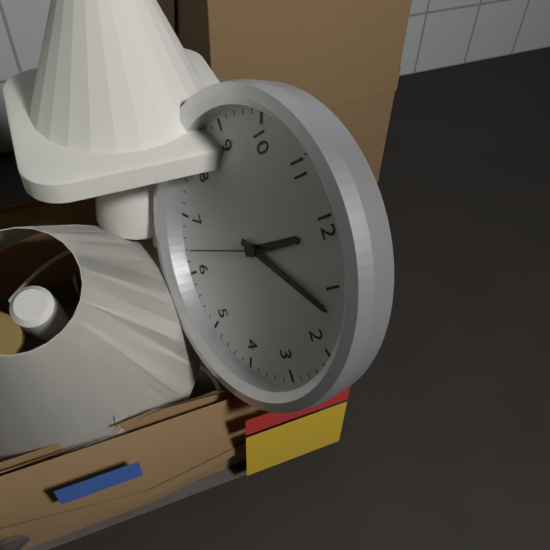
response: 12 h 07 min 32 s
